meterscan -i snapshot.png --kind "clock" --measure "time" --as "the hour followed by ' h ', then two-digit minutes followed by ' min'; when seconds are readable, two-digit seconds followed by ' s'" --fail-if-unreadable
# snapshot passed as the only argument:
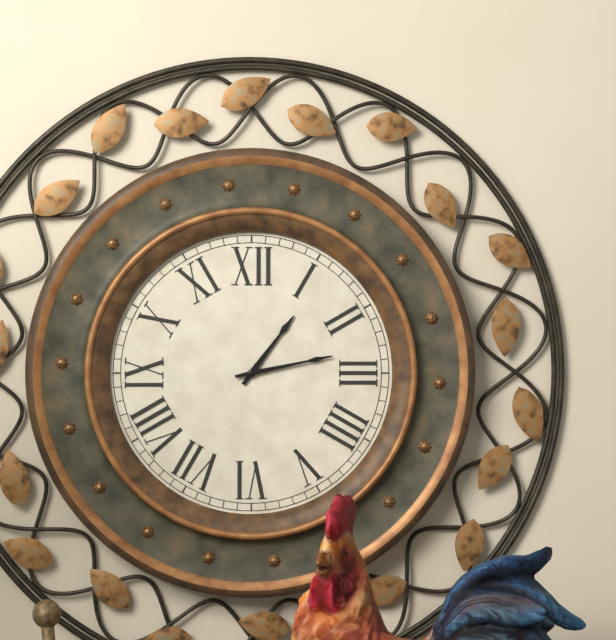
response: 1 h 13 min
